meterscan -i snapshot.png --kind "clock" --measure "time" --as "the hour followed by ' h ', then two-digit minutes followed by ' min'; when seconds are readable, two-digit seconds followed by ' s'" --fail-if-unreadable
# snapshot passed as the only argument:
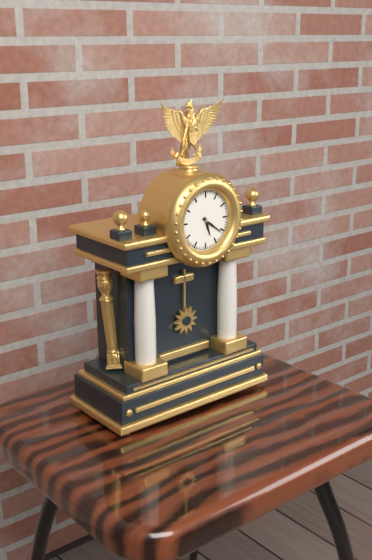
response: 5 h 21 min
